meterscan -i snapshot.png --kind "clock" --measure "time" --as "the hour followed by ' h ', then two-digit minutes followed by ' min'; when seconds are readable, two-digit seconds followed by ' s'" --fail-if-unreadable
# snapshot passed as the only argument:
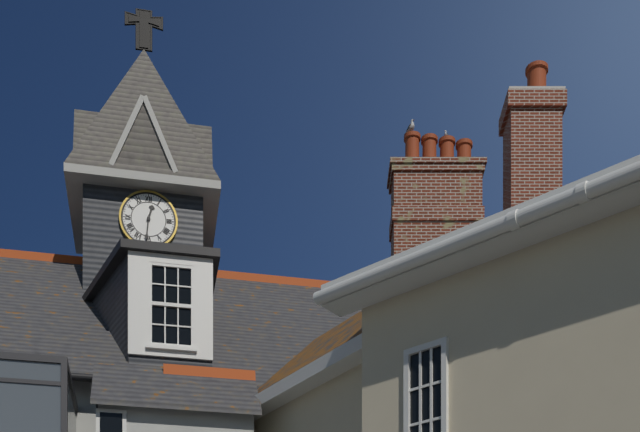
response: 12 h 31 min
